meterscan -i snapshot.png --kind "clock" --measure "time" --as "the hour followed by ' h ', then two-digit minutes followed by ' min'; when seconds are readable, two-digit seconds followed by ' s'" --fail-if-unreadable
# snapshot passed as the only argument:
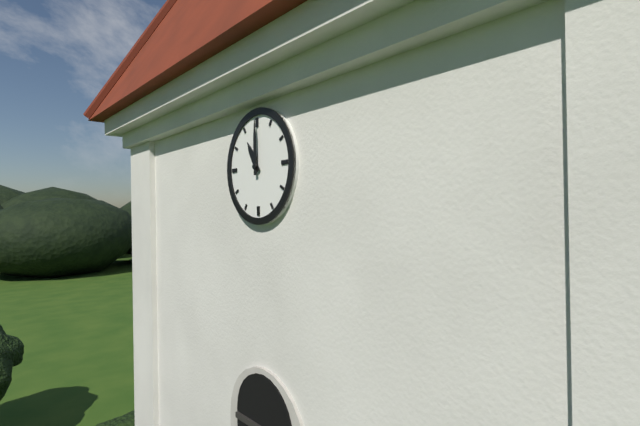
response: 11 h 00 min
